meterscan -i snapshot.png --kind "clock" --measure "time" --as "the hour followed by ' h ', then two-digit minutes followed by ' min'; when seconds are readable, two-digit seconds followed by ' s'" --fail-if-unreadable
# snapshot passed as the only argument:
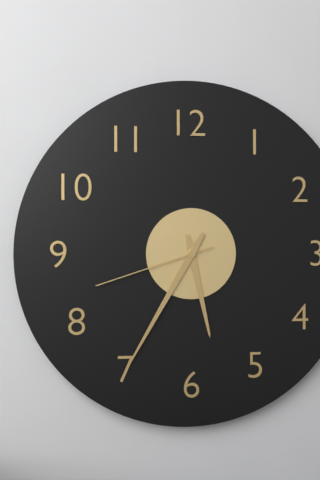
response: 5 h 35 min 42 s
